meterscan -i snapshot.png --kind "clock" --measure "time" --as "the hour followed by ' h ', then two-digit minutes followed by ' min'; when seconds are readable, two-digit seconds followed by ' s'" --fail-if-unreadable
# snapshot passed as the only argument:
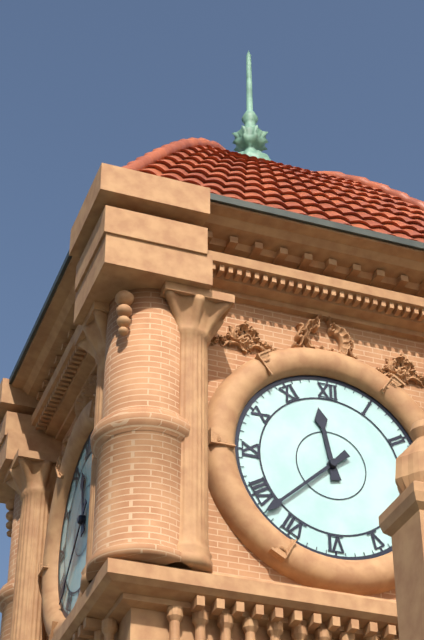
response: 11 h 38 min
